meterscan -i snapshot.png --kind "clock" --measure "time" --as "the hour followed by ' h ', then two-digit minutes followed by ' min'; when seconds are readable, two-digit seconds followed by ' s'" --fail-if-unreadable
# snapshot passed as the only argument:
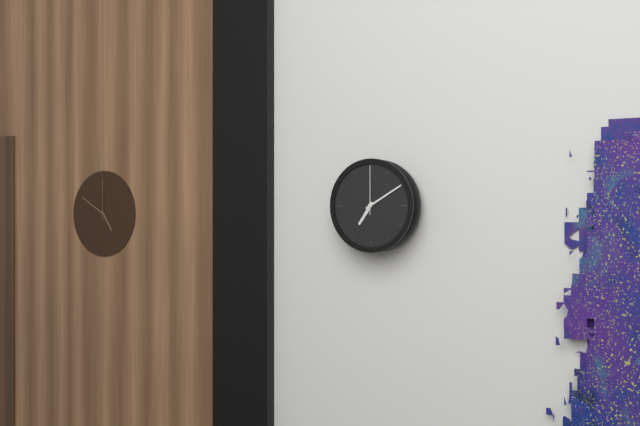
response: 7 h 10 min 00 s
